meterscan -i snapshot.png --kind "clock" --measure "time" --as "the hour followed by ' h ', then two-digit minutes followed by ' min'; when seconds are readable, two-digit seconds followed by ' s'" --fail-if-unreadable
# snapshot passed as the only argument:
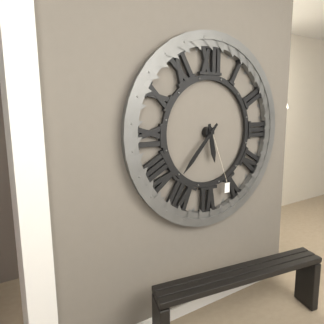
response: 5 h 37 min
